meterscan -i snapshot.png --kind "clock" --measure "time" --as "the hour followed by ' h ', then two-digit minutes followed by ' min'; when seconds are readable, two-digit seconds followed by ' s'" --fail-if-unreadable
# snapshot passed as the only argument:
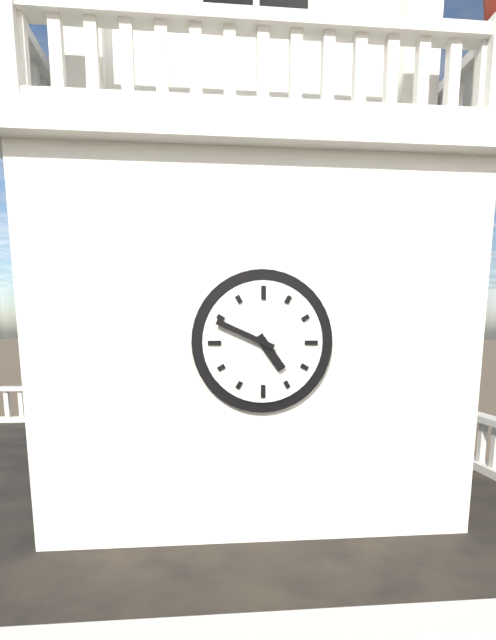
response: 4 h 49 min
